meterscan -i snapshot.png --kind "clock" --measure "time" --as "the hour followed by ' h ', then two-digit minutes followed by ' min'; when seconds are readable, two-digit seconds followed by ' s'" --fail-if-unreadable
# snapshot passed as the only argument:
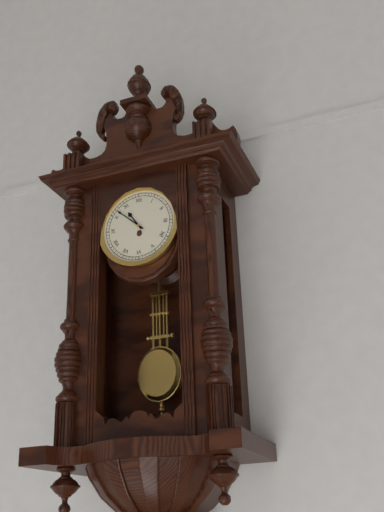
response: 10 h 52 min
